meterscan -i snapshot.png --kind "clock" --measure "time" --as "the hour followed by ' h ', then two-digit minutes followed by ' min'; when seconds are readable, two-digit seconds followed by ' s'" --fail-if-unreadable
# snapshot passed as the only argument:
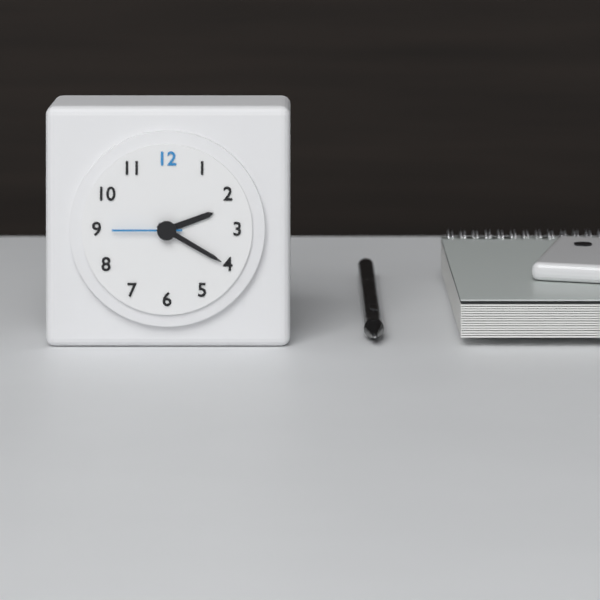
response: 2 h 20 min 45 s
